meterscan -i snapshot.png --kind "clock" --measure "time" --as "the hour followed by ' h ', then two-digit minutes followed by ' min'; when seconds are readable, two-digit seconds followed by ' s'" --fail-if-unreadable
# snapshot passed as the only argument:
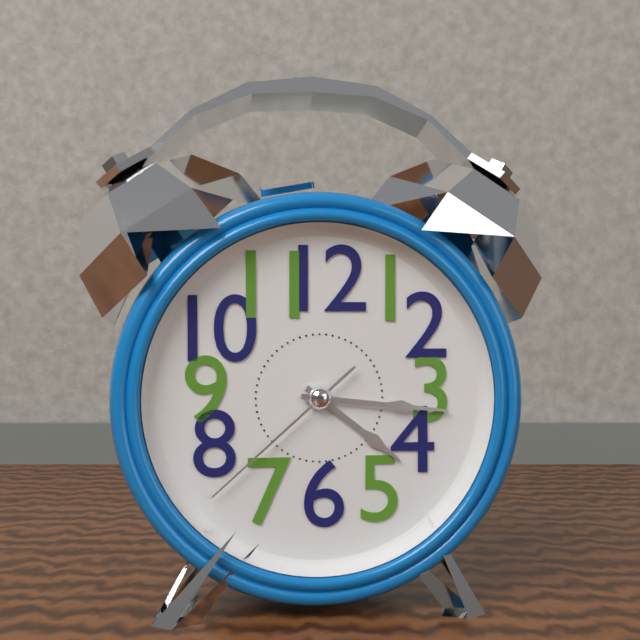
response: 4 h 16 min 38 s
